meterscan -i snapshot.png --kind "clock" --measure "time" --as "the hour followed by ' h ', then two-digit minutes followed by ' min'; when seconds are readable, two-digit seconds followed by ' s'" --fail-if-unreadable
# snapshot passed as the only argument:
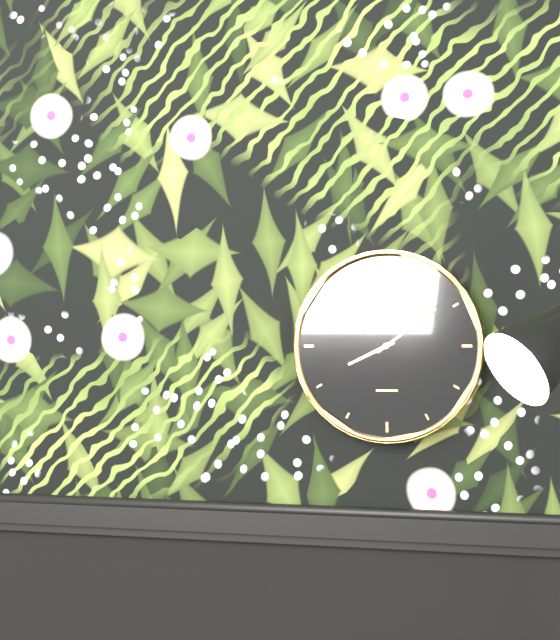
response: 8 h 09 min
